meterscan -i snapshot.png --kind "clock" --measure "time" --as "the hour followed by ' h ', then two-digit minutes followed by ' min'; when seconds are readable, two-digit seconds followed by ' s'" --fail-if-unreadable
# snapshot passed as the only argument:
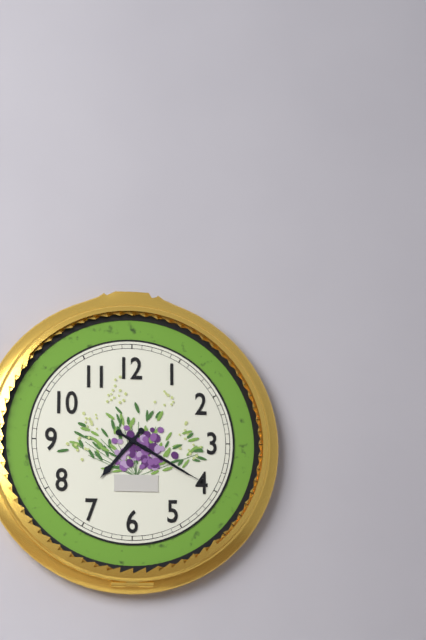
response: 7 h 20 min 20 s
